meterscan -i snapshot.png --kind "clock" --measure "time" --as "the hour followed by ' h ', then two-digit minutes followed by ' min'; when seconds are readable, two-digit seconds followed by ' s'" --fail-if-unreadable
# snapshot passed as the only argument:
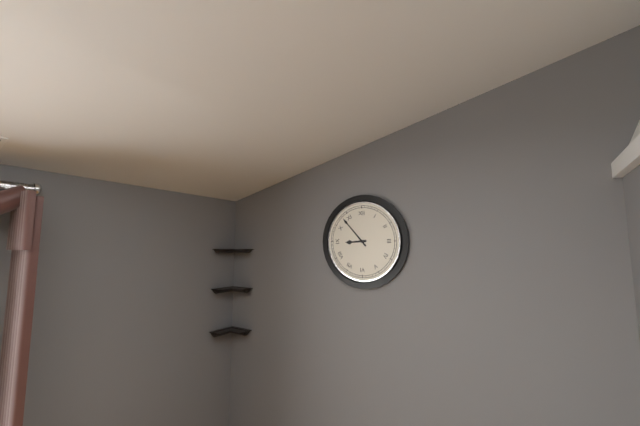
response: 8 h 53 min
